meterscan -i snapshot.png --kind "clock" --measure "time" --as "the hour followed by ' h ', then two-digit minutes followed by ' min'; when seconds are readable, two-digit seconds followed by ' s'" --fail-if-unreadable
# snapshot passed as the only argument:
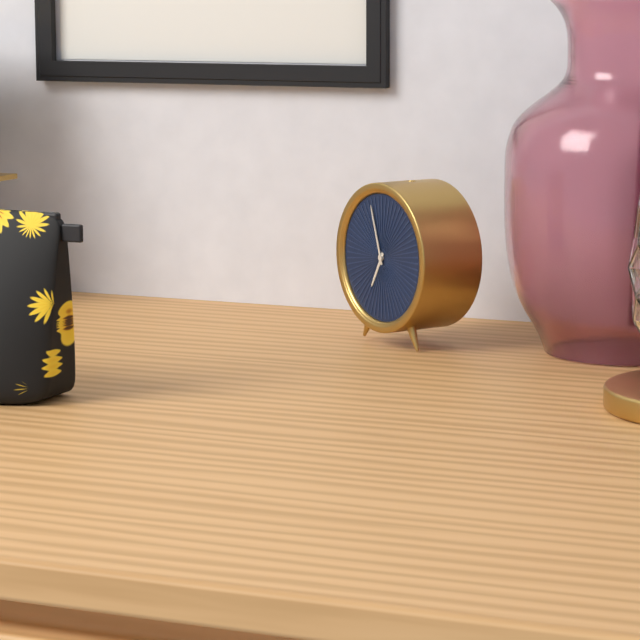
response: 6 h 57 min
